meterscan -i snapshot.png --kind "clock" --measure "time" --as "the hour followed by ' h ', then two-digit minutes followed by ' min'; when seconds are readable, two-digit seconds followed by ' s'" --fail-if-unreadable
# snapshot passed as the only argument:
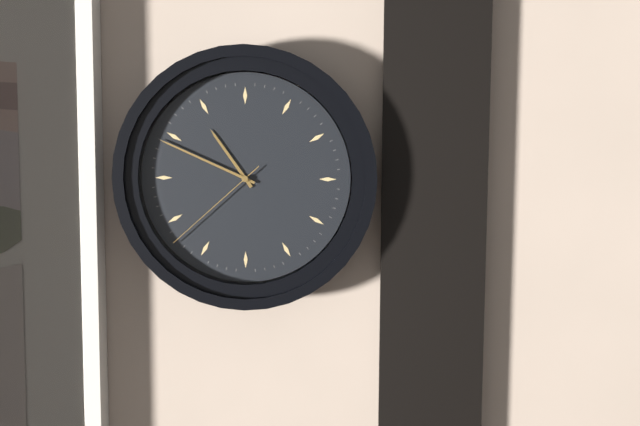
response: 10 h 49 min 38 s
